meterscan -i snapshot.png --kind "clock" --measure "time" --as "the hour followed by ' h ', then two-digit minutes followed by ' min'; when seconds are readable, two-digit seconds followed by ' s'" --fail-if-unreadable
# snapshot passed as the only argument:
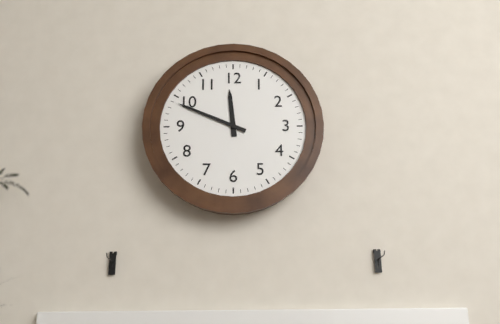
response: 11 h 49 min
